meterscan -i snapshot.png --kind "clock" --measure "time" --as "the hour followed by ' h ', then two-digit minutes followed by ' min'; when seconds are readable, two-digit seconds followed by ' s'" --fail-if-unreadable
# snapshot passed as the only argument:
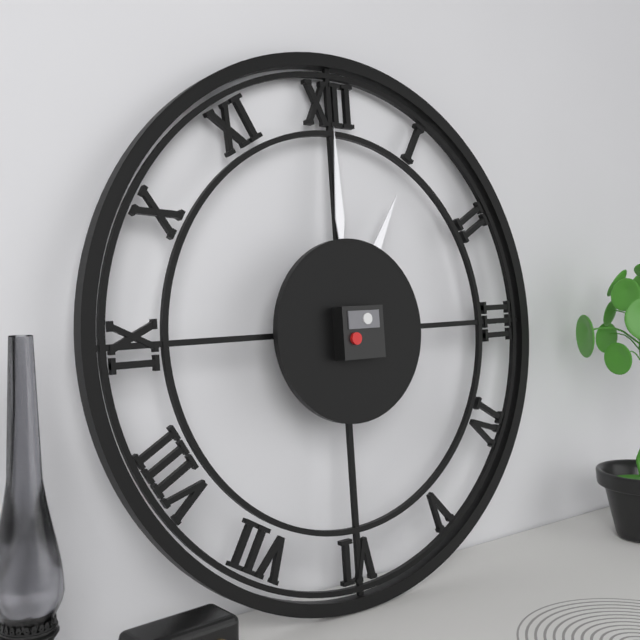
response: 1 h 00 min
